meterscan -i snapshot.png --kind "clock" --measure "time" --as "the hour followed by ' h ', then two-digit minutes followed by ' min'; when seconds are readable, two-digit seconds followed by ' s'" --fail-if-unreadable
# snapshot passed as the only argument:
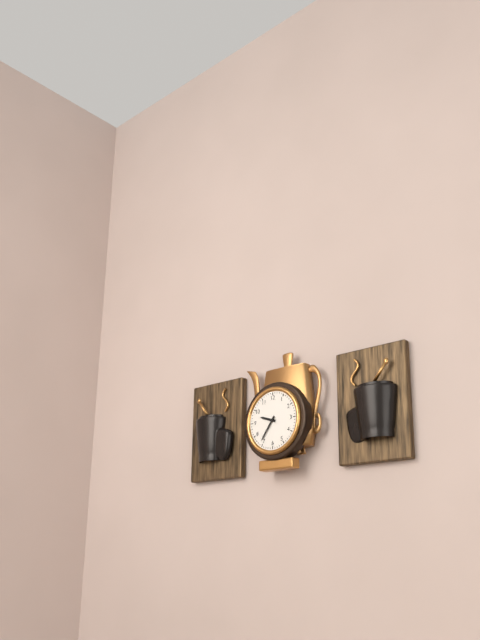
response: 9 h 36 min
